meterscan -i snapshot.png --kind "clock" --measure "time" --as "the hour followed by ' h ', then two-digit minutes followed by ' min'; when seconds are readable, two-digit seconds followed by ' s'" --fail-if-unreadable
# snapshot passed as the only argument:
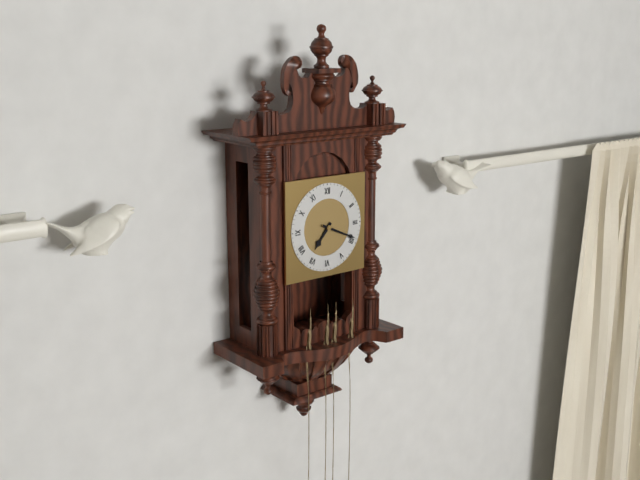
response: 7 h 19 min
